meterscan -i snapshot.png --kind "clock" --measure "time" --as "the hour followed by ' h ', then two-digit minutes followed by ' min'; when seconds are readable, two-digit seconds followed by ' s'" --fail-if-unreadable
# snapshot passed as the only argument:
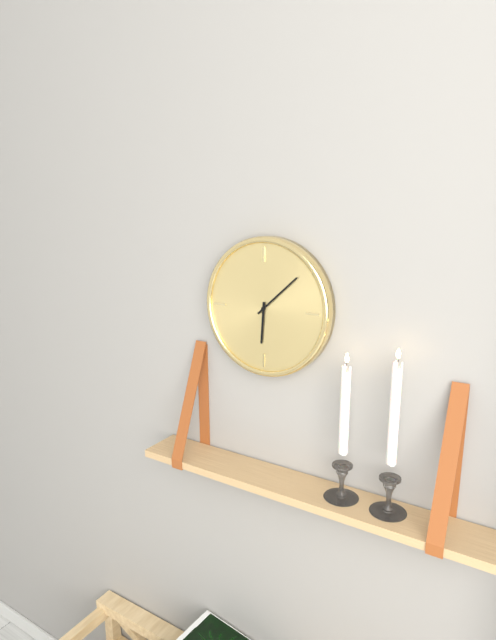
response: 6 h 08 min
